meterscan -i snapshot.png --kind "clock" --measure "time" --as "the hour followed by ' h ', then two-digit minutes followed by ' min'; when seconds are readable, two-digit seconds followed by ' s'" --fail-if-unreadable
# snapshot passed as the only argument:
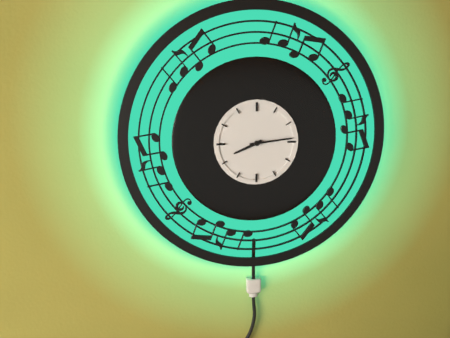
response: 8 h 14 min
